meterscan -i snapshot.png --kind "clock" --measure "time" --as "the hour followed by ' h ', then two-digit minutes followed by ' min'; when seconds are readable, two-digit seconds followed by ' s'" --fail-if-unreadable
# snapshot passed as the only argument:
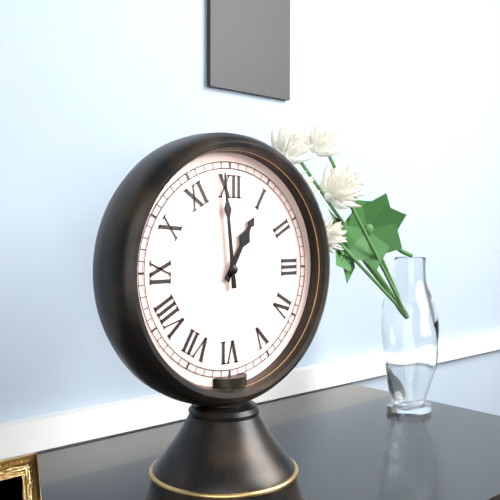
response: 12 h 59 min
